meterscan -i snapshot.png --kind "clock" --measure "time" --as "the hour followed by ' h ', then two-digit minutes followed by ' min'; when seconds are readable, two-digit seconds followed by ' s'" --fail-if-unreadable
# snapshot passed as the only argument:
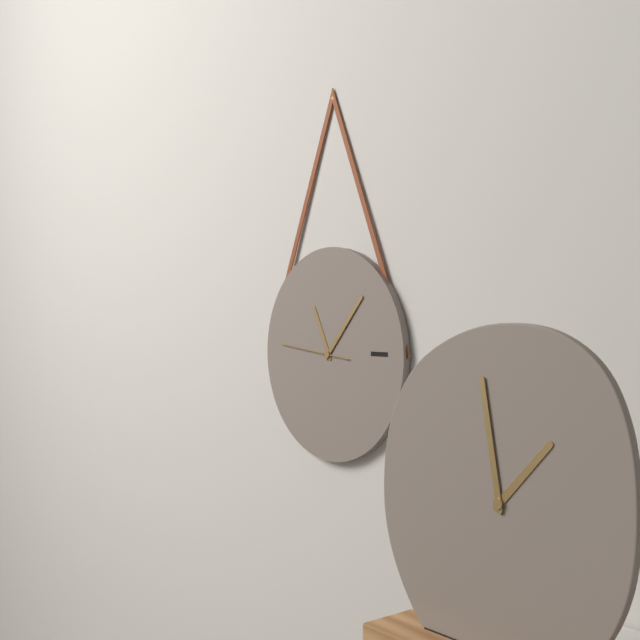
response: 11 h 07 min 46 s
